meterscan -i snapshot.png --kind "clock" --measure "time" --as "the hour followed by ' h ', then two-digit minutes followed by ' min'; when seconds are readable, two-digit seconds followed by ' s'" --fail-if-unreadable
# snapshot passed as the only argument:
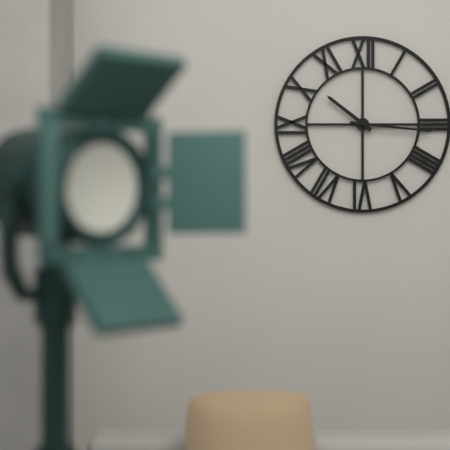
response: 10 h 16 min
